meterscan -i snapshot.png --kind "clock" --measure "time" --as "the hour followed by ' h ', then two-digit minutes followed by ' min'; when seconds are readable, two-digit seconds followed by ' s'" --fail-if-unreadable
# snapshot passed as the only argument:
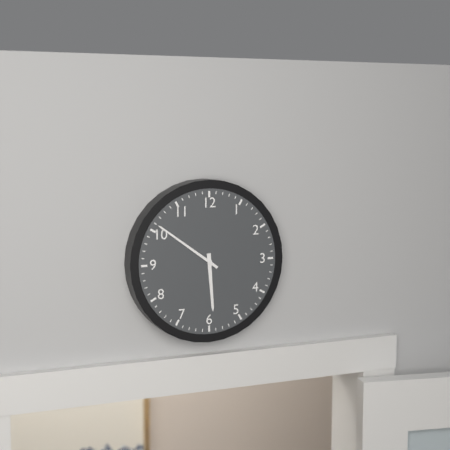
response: 5 h 51 min
